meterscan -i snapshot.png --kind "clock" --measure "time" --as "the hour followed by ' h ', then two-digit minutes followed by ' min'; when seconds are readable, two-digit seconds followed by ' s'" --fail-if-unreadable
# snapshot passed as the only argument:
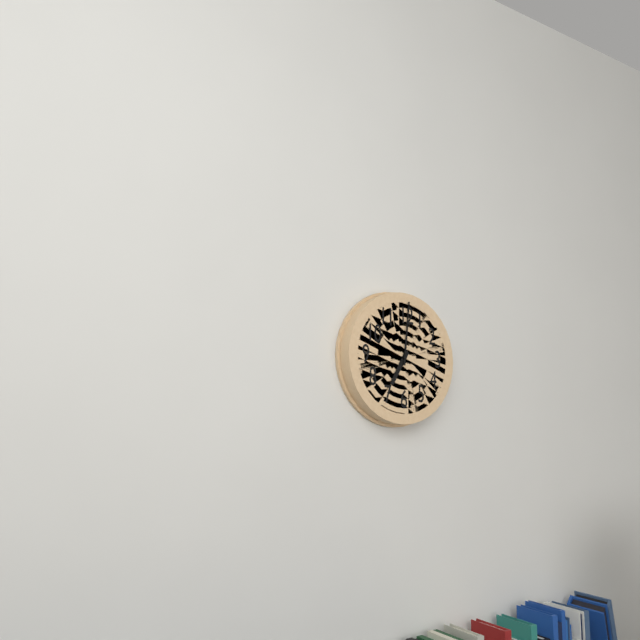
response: 7 h 01 min
